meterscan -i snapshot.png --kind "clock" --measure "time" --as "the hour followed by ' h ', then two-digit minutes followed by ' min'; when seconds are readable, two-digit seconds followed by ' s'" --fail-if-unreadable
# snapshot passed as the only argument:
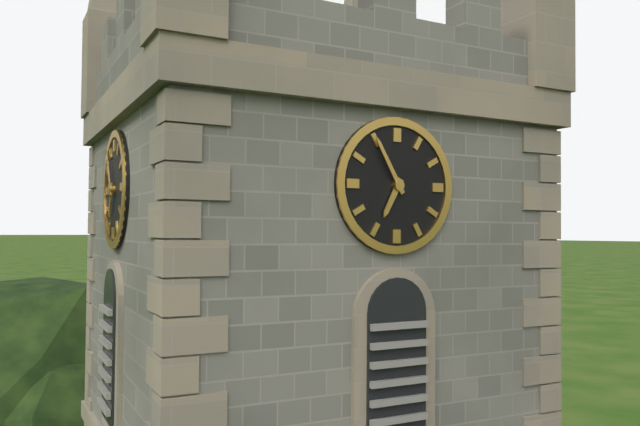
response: 6 h 55 min
